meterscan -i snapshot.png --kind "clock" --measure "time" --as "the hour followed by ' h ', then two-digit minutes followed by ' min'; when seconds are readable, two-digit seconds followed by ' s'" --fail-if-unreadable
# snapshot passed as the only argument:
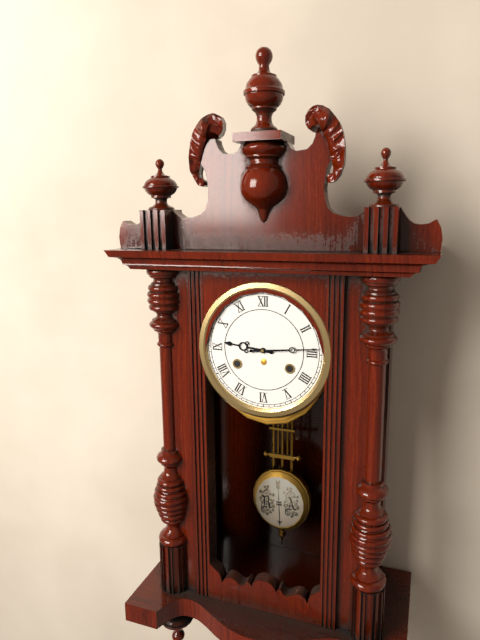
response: 9 h 14 min
